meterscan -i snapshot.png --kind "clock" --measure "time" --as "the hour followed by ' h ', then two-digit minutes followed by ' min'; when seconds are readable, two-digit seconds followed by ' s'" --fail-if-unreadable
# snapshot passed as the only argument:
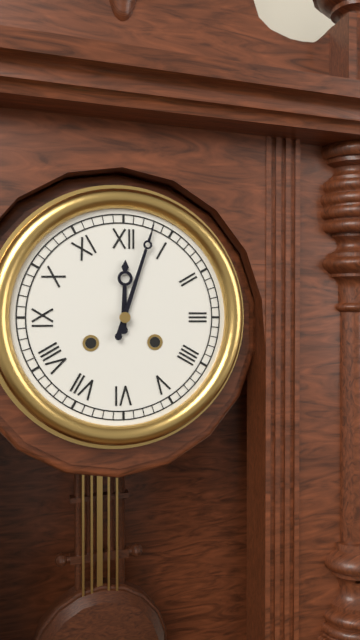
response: 12 h 03 min
